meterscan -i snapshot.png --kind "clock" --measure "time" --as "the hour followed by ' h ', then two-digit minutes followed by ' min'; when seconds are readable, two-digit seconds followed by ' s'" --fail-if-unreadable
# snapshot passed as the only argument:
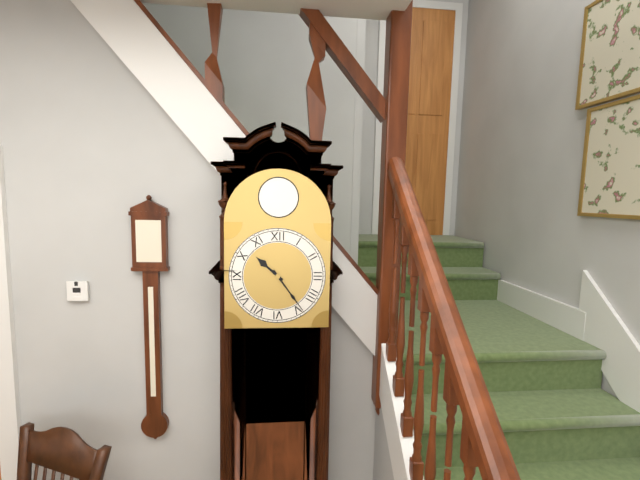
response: 10 h 24 min
